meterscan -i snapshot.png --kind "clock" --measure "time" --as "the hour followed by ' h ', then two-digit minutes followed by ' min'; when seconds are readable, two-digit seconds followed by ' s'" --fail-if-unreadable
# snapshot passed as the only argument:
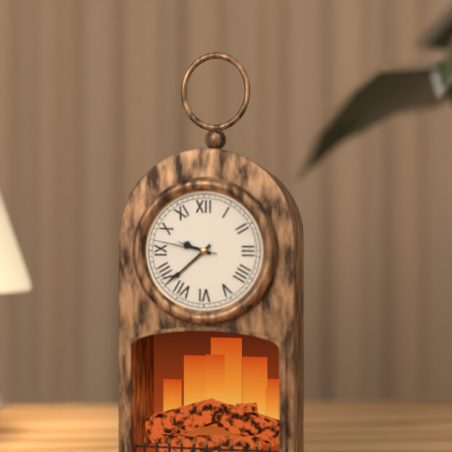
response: 9 h 38 min 47 s
